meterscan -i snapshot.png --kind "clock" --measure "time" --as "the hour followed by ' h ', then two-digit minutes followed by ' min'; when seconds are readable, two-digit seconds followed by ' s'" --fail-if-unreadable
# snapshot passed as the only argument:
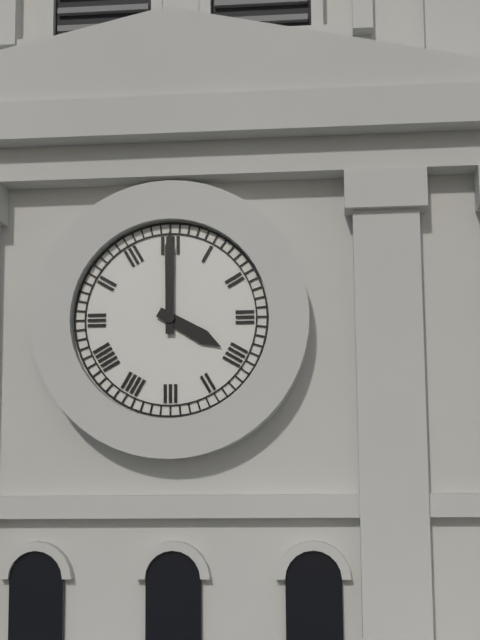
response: 4 h 00 min
